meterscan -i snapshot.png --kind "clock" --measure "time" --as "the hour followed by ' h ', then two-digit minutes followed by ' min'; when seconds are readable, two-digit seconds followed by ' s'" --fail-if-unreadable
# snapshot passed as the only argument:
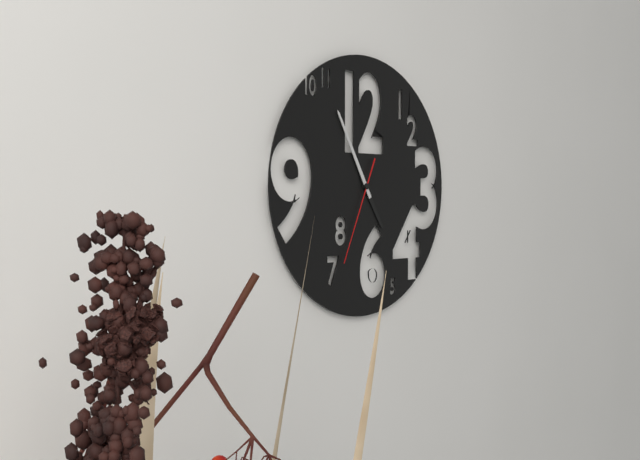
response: 4 h 55 min 34 s
